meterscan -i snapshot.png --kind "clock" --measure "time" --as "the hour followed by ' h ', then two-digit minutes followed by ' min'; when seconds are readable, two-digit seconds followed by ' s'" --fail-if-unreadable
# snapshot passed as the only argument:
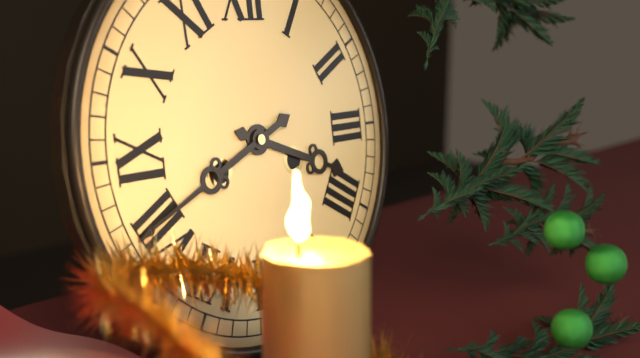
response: 3 h 41 min
